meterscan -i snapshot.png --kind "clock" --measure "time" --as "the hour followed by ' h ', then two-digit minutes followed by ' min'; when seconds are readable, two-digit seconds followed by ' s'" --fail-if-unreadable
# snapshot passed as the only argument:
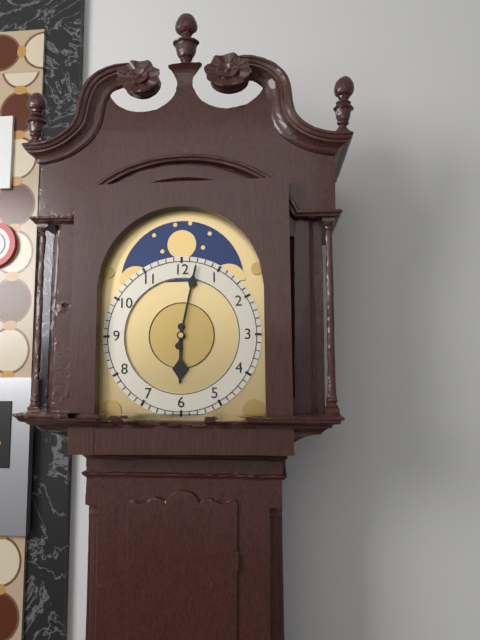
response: 6 h 02 min
